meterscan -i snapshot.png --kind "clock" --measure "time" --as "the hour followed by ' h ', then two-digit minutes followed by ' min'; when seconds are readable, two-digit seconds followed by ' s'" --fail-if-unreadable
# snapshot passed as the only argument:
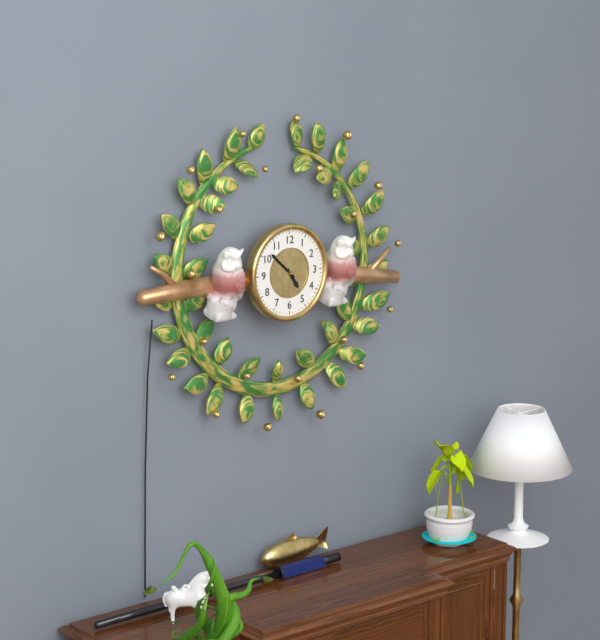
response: 4 h 52 min
